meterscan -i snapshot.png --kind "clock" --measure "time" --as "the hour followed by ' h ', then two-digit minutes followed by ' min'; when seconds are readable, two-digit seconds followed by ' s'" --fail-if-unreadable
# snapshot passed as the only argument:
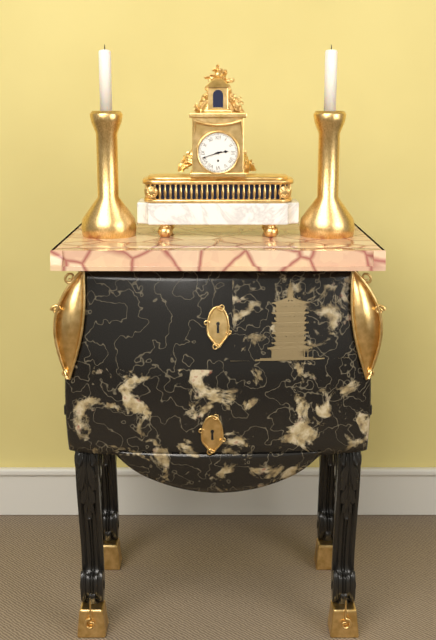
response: 2 h 42 min
